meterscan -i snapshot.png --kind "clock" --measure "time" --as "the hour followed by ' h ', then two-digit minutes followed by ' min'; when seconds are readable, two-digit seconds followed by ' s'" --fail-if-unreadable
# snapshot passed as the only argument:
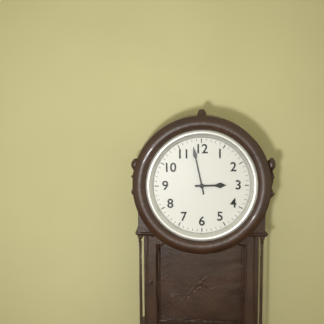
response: 2 h 58 min
